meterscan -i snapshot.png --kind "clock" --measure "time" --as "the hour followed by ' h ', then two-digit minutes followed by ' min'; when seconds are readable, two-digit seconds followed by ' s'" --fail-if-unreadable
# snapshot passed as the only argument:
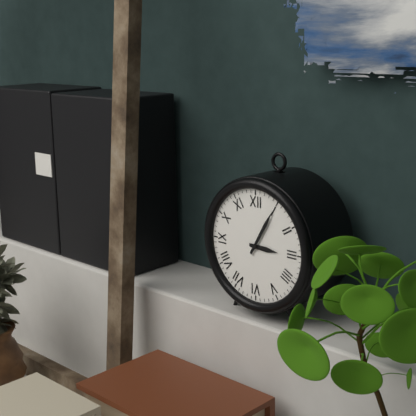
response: 3 h 05 min
